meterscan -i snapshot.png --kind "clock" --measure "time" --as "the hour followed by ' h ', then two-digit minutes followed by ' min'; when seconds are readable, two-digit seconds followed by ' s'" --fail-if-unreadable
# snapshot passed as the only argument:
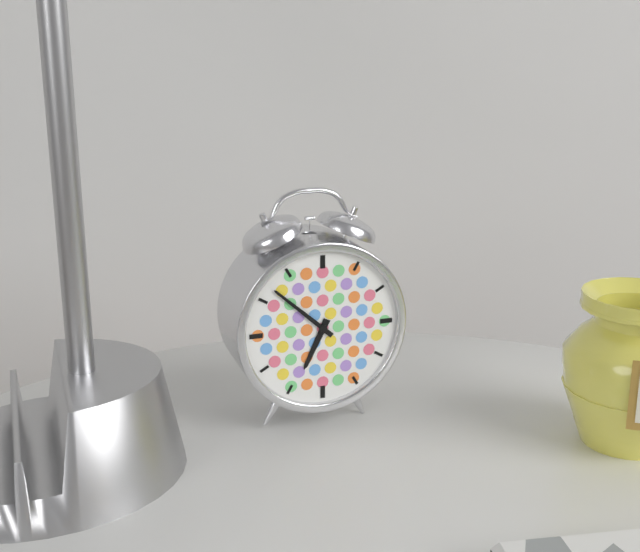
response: 6 h 52 min
